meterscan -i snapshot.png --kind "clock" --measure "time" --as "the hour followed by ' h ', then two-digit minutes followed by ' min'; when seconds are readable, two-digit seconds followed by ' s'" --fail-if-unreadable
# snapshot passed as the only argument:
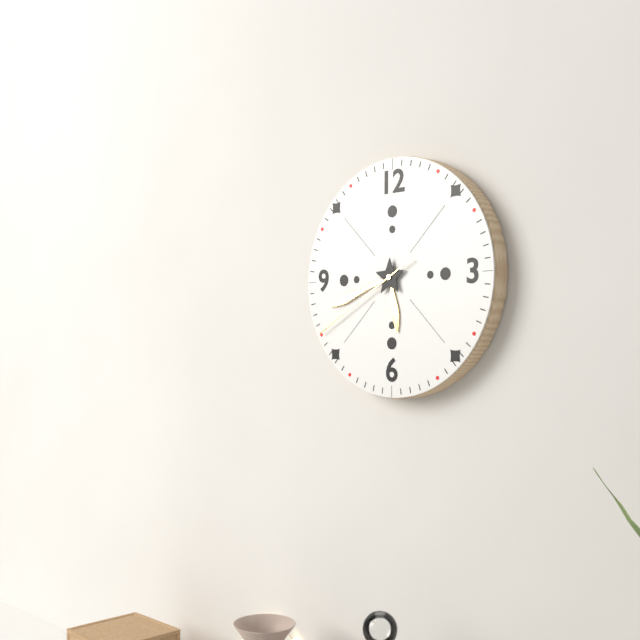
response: 5 h 42 min 40 s
